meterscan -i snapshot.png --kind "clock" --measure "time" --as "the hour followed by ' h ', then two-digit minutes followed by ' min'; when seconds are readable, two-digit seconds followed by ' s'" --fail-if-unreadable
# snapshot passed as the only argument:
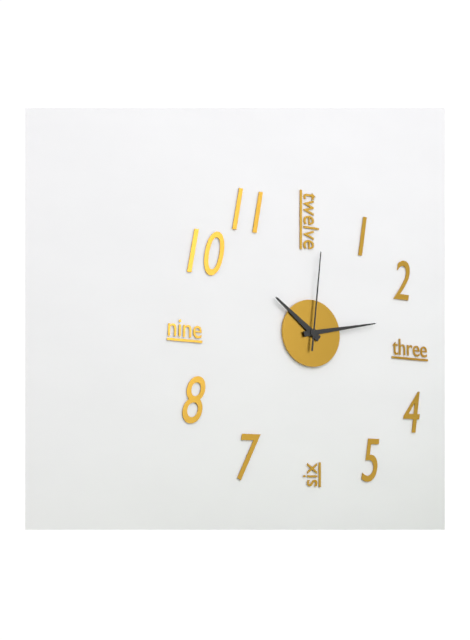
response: 10 h 13 min 01 s
